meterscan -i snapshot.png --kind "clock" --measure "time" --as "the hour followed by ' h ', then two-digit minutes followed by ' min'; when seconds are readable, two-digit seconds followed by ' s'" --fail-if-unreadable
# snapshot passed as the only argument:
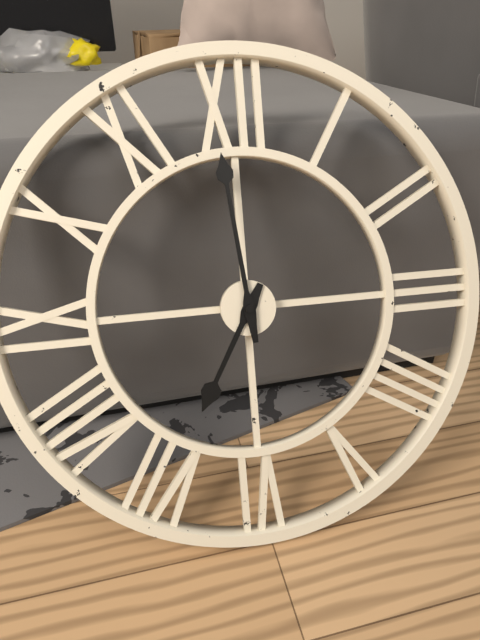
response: 6 h 59 min
